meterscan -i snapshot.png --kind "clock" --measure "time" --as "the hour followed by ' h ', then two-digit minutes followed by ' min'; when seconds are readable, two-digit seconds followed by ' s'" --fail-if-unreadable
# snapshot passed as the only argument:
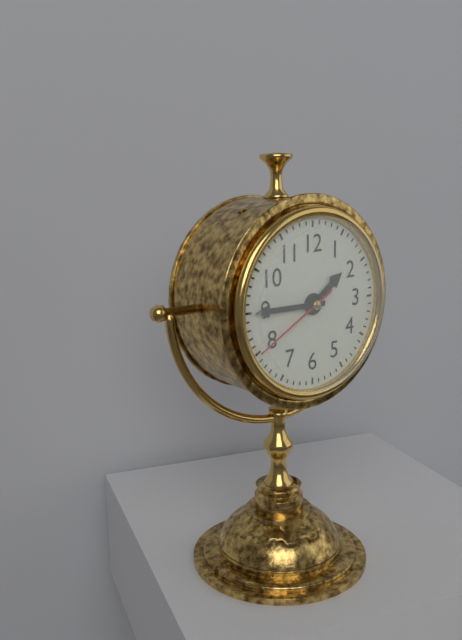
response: 1 h 45 min 40 s
